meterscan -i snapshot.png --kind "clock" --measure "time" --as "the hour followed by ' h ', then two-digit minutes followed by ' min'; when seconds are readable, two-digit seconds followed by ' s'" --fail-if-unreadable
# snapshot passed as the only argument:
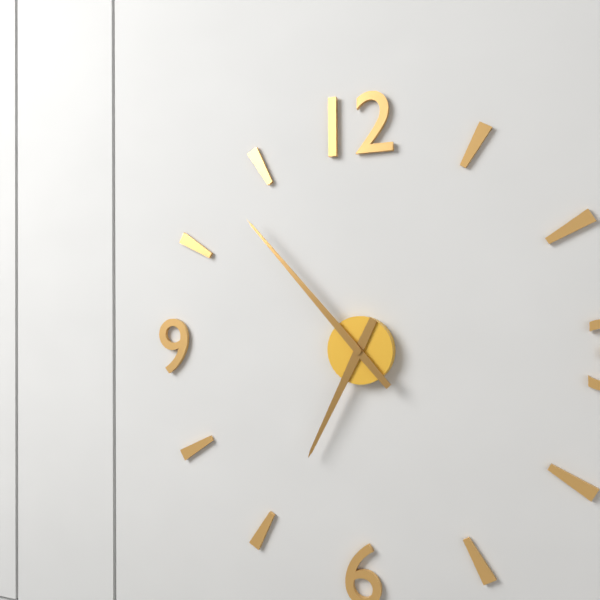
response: 6 h 53 min
